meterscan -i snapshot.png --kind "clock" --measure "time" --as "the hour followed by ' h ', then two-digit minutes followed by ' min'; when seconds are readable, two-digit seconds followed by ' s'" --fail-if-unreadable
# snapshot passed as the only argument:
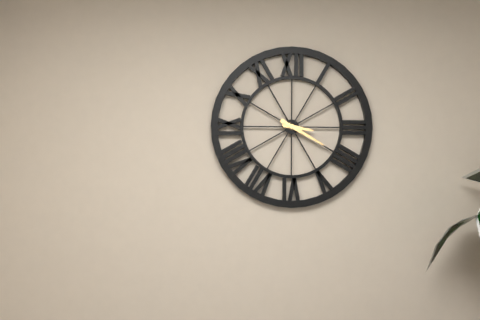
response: 3 h 20 min
